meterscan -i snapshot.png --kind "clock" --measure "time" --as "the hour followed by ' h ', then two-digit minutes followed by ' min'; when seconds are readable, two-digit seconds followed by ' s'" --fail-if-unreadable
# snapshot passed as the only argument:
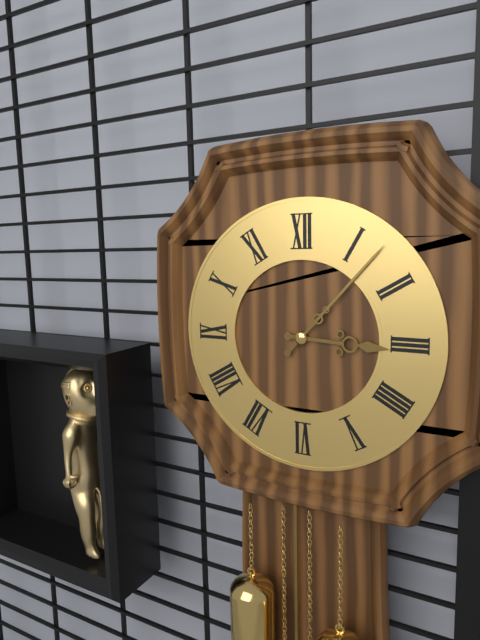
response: 3 h 07 min
